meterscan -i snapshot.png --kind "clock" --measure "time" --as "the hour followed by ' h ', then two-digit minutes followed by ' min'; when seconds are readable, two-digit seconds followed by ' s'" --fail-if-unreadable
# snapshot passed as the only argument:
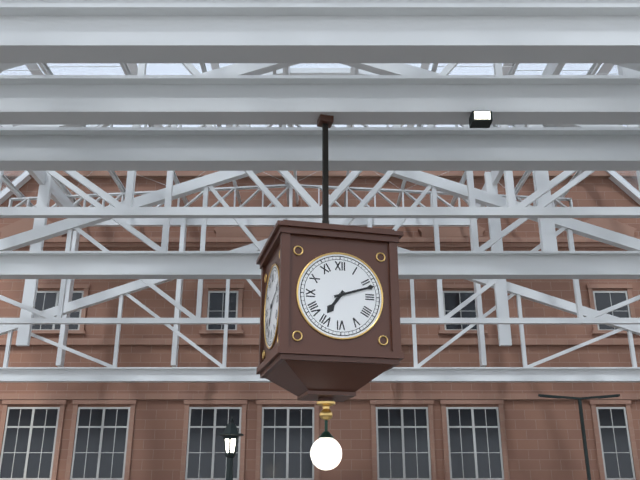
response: 7 h 12 min
